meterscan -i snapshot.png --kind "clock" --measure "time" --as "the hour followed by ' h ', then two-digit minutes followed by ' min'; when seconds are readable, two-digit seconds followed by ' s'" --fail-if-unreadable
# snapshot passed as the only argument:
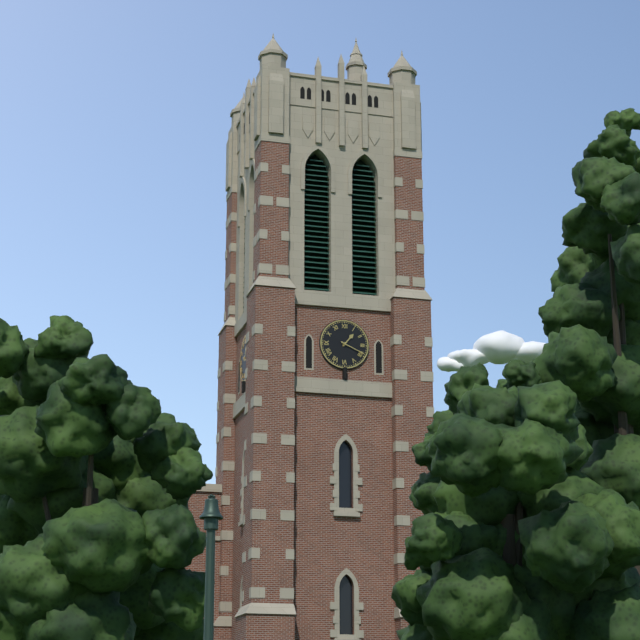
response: 1 h 19 min
